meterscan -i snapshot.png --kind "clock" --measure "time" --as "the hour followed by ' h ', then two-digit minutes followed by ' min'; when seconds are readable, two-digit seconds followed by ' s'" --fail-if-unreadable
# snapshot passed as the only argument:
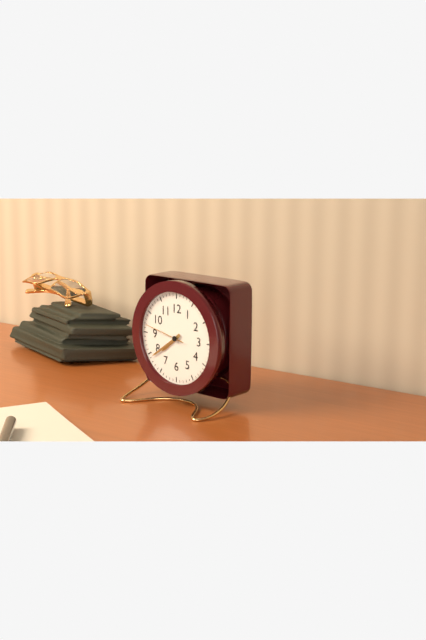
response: 7 h 39 min
